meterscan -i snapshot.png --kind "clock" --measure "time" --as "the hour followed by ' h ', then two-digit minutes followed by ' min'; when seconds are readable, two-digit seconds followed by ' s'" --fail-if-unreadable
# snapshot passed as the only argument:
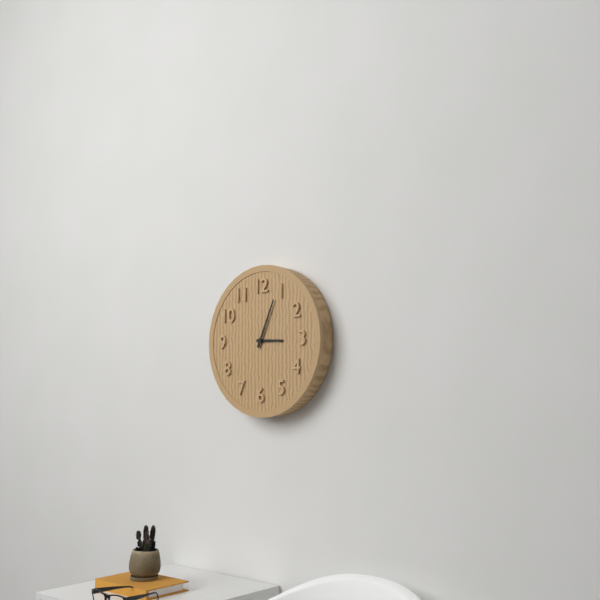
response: 3 h 04 min
